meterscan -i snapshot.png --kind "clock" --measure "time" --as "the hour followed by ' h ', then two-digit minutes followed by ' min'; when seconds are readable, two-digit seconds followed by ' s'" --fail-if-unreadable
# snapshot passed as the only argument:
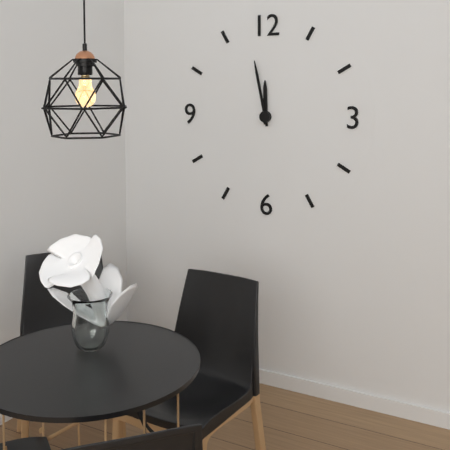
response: 11 h 58 min
